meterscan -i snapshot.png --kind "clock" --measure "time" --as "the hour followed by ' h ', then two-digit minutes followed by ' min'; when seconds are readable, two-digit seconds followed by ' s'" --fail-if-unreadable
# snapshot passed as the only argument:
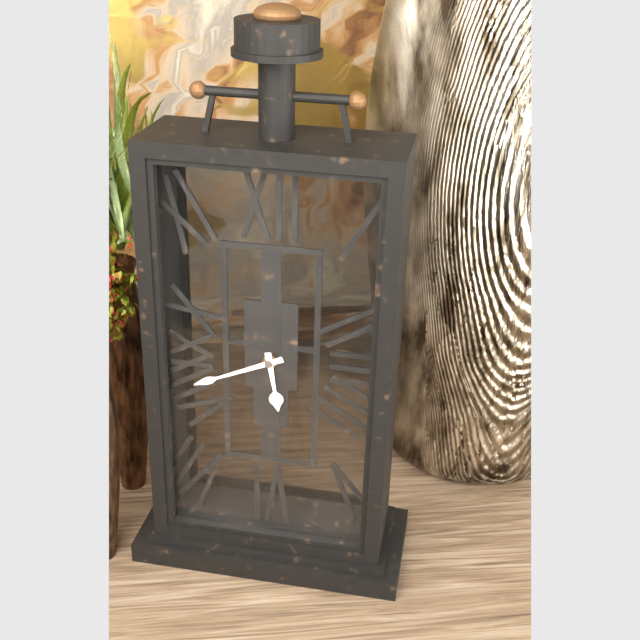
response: 5 h 41 min
